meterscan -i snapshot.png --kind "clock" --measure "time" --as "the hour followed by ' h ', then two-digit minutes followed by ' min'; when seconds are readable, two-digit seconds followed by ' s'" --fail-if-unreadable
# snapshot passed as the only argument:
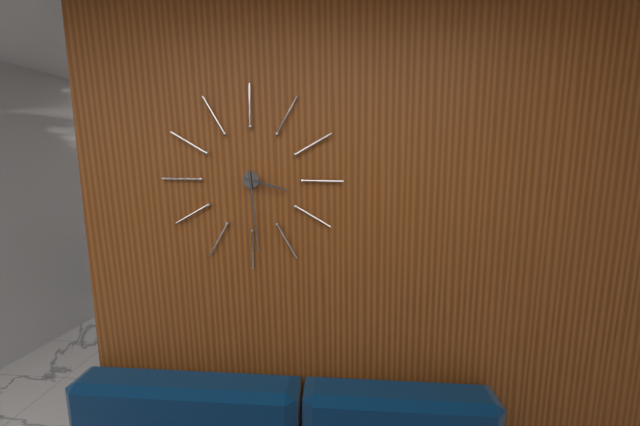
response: 3 h 29 min
